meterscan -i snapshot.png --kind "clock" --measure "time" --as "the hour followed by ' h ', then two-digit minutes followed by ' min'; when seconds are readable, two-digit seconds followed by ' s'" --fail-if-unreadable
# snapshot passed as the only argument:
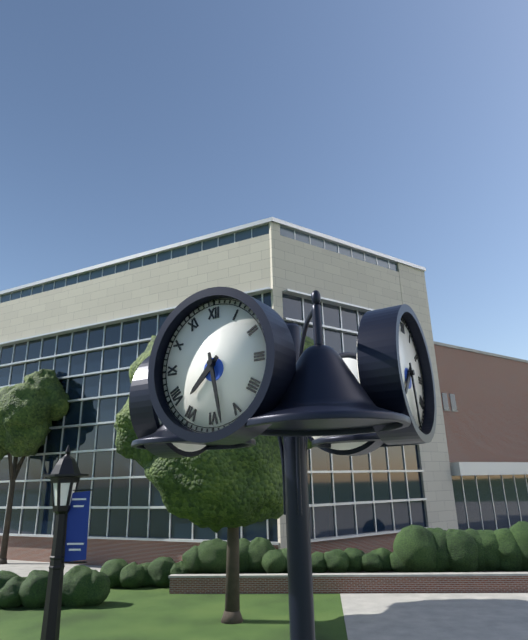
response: 7 h 28 min
